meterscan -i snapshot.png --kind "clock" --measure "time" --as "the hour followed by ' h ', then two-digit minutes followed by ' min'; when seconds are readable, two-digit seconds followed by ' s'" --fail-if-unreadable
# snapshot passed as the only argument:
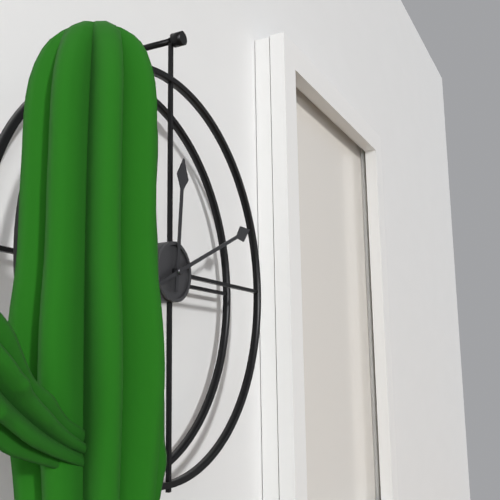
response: 12 h 11 min
